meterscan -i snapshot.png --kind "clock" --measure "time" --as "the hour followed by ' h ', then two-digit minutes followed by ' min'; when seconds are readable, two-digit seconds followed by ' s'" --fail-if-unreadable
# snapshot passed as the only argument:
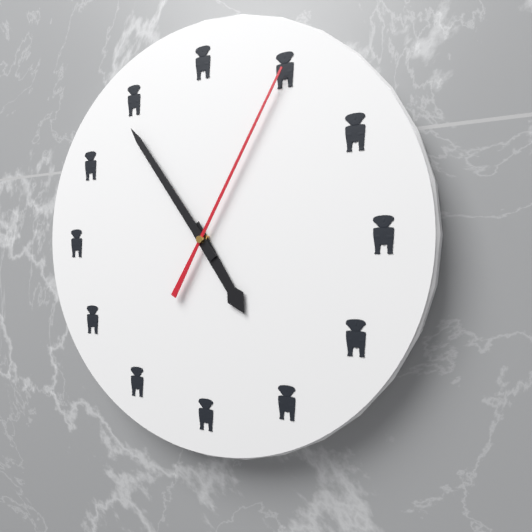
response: 4 h 54 min 05 s
